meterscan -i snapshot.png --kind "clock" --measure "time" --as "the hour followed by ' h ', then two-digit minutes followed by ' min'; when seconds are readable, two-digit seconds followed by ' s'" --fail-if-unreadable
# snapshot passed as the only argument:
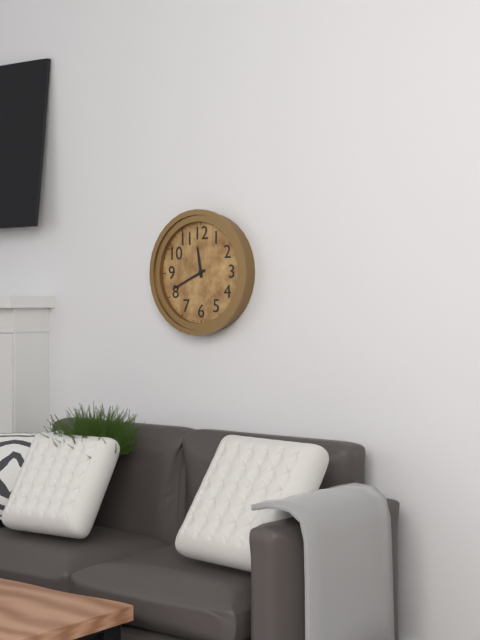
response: 11 h 41 min
